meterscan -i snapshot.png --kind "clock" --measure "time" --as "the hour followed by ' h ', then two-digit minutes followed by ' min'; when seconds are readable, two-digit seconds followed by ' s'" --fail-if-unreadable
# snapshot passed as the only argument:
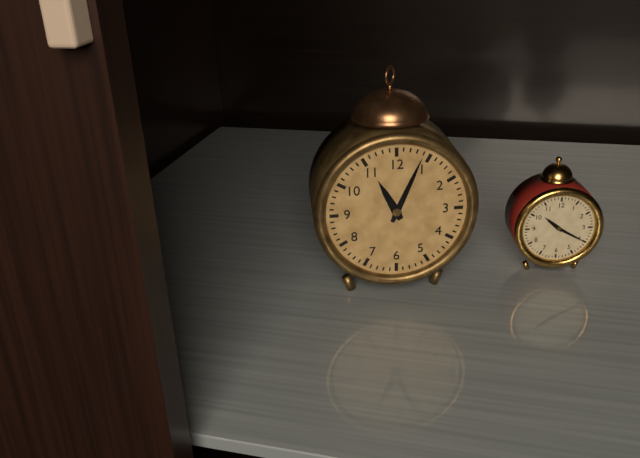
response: 11 h 04 min
